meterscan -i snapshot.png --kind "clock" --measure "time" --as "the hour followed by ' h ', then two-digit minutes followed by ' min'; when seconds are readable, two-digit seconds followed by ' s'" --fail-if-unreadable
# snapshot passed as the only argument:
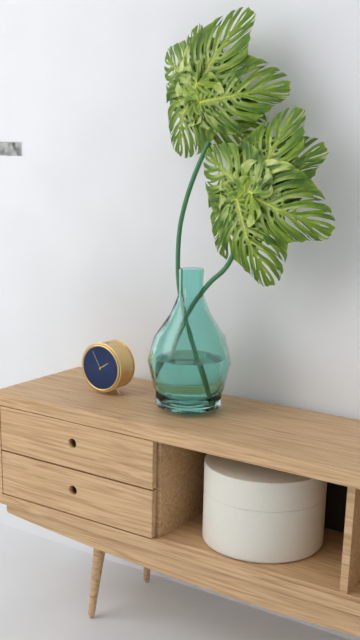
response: 1 h 55 min
